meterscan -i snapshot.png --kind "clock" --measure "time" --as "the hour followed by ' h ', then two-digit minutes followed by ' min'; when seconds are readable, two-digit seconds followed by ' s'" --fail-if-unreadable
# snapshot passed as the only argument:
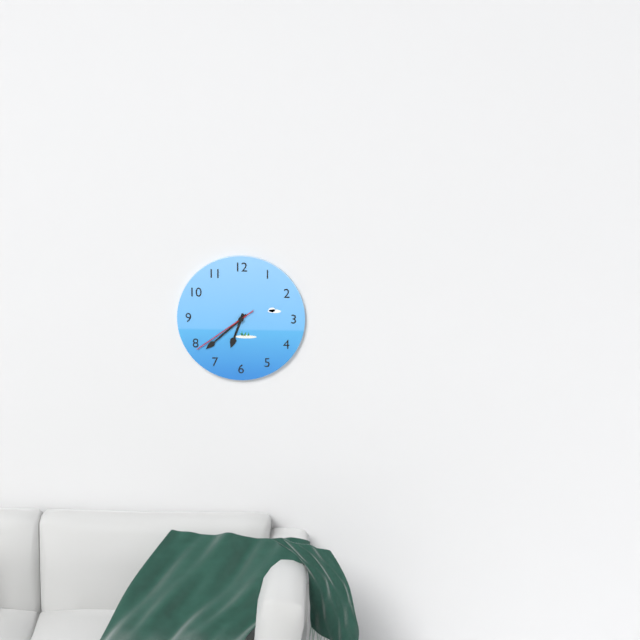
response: 6 h 38 min 39 s
